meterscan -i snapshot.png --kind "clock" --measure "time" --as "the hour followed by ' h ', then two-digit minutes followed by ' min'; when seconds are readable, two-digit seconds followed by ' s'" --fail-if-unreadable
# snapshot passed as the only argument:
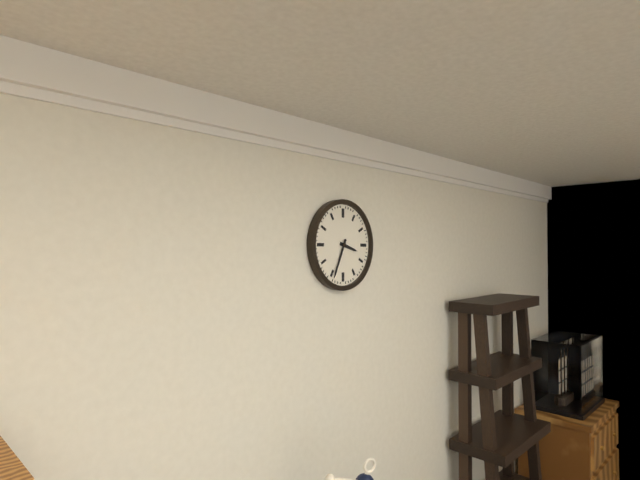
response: 3 h 34 min
